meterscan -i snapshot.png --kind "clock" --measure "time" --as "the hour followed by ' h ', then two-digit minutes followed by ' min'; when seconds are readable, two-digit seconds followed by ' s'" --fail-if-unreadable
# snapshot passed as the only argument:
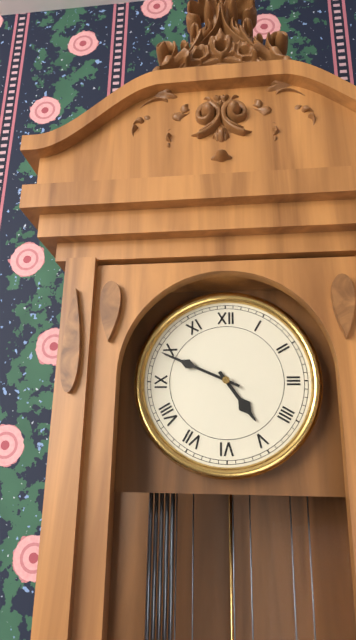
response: 4 h 49 min
